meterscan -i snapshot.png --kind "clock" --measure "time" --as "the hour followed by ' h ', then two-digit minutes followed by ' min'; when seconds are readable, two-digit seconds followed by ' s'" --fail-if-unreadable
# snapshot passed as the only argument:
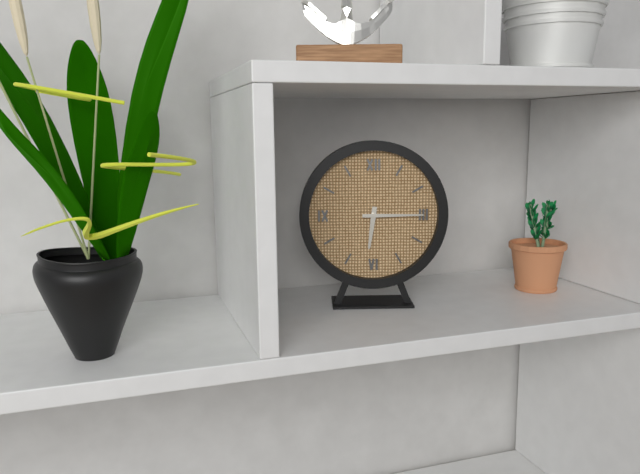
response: 6 h 15 min
